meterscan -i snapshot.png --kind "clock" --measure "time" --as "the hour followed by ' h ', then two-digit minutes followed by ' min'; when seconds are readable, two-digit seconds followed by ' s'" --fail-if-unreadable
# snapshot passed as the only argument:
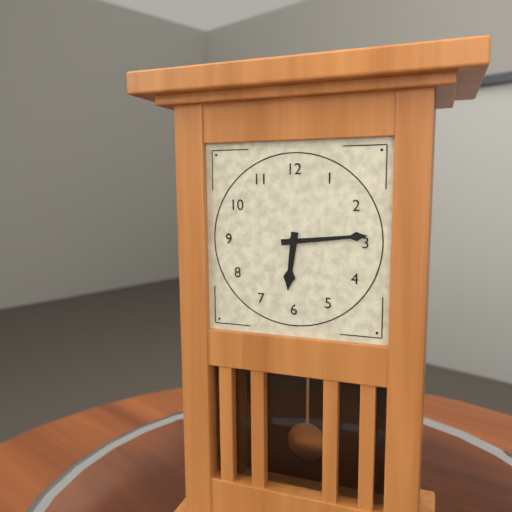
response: 6 h 14 min
